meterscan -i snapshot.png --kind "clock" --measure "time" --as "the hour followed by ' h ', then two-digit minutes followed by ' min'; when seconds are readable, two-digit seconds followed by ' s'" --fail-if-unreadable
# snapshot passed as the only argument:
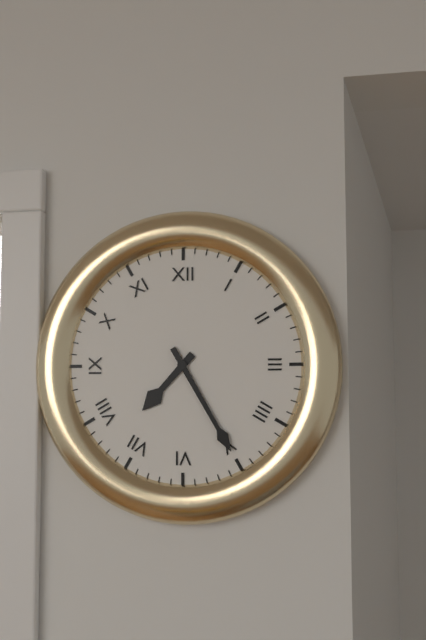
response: 7 h 25 min
